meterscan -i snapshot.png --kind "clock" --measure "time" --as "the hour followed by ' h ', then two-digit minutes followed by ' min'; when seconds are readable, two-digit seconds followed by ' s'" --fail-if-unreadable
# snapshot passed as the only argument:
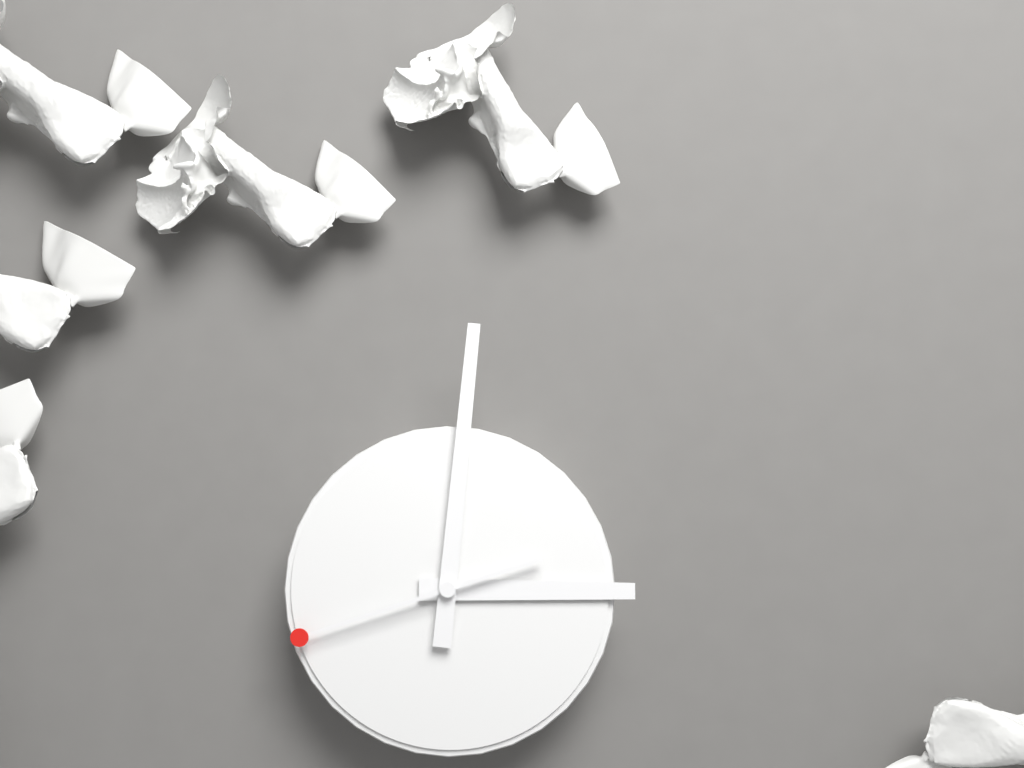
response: 3 h 01 min 42 s
